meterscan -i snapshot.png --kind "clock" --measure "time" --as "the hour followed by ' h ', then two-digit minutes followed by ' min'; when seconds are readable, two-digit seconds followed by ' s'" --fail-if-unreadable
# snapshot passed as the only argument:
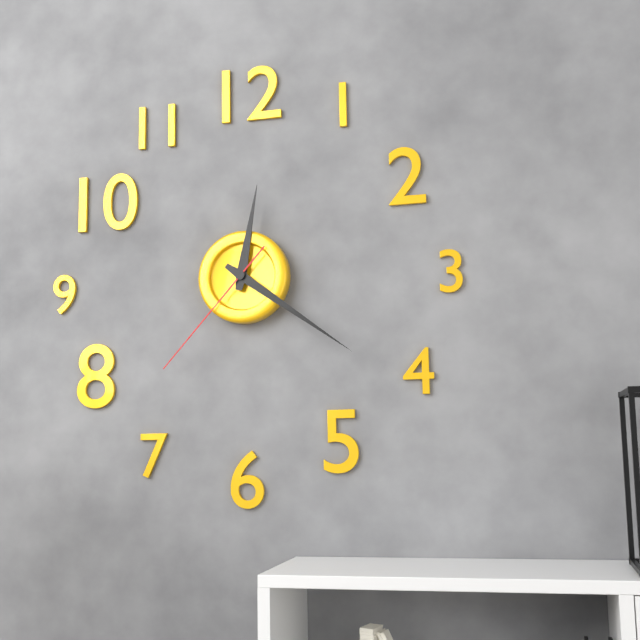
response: 12 h 21 min 37 s
